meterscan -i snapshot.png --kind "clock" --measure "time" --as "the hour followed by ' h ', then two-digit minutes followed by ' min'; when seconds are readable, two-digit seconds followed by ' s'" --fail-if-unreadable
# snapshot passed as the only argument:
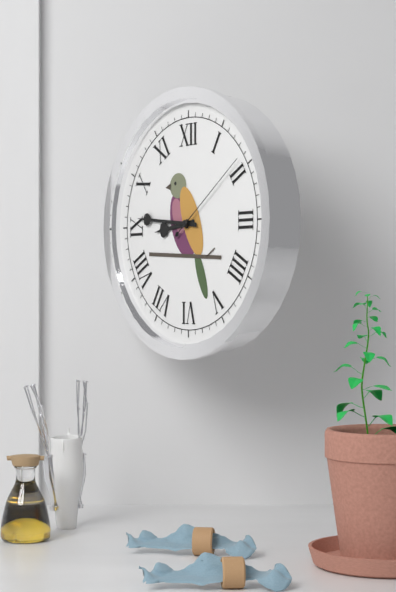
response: 8 h 46 min 09 s
